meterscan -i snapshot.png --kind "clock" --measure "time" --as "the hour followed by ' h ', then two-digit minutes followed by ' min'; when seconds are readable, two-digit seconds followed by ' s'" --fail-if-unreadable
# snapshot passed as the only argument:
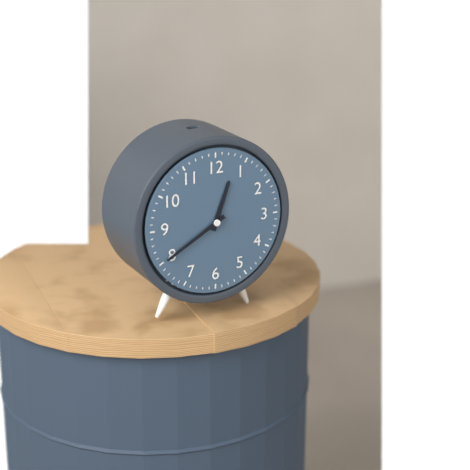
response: 12 h 40 min
